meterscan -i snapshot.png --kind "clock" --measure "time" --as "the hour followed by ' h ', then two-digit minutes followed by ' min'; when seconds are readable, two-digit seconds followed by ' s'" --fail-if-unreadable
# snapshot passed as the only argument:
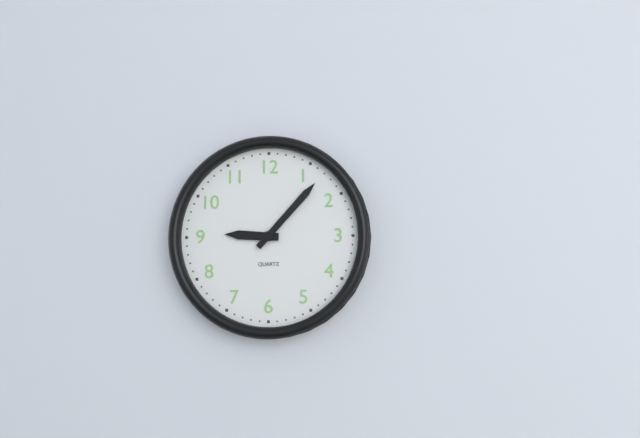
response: 9 h 07 min
